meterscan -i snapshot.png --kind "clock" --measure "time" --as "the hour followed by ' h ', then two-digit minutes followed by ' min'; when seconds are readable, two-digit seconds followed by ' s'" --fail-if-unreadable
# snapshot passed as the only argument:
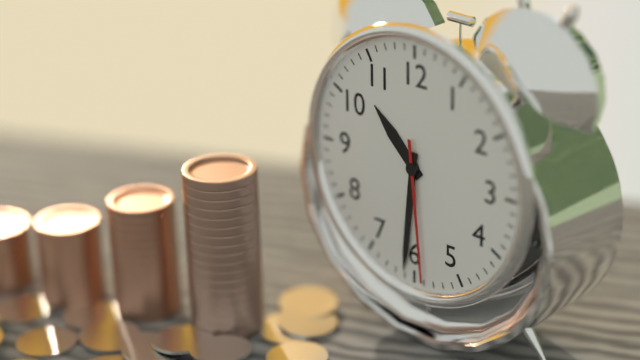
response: 10 h 31 min 29 s
